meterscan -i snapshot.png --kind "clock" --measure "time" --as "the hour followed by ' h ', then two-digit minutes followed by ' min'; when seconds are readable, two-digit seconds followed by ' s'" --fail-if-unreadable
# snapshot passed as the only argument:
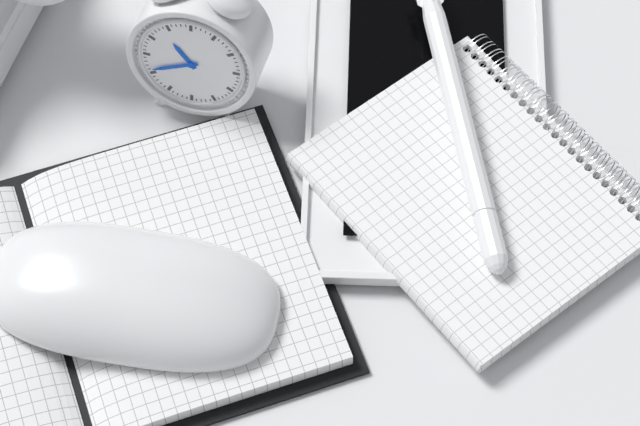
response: 10 h 41 min
